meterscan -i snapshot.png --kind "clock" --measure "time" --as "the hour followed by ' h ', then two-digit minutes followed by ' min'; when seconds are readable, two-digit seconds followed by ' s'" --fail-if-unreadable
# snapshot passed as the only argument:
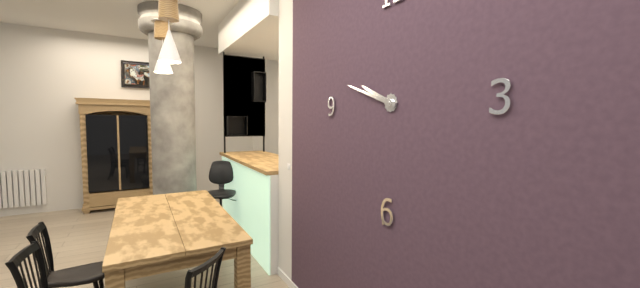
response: 9 h 48 min
